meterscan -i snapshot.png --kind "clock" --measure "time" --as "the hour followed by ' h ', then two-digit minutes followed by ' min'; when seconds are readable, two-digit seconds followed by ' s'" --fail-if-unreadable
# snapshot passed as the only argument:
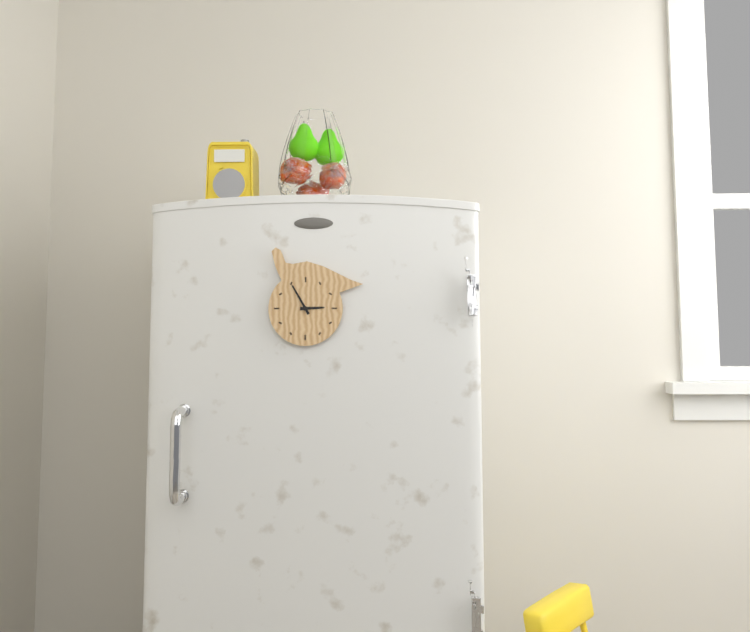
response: 2 h 55 min
